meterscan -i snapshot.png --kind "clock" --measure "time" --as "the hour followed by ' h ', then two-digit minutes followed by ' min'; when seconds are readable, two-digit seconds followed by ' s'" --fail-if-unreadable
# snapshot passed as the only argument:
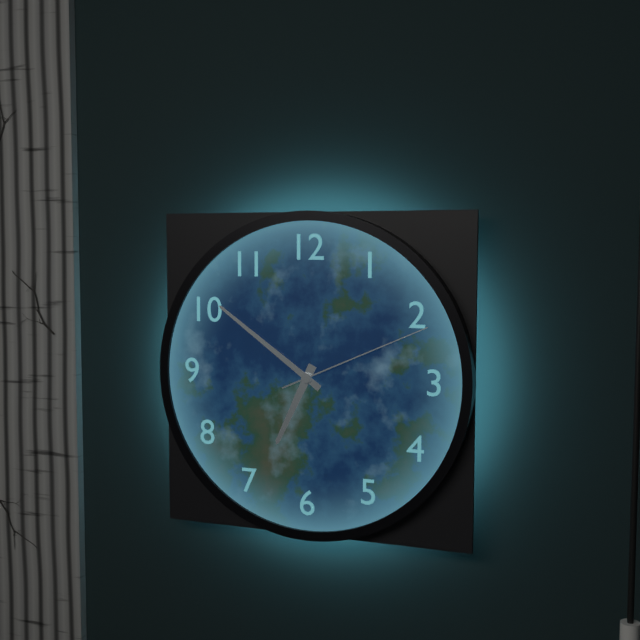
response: 6 h 51 min 11 s
